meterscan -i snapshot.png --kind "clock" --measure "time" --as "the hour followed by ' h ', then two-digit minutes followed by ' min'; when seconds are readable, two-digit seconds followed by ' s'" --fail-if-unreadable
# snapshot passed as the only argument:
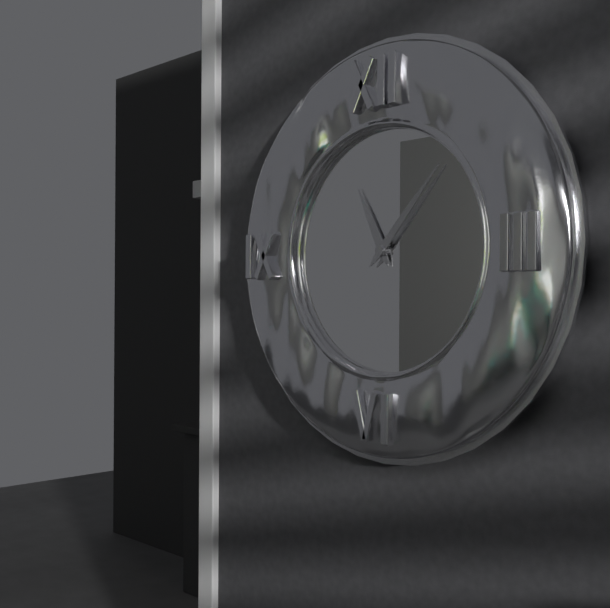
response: 11 h 07 min
